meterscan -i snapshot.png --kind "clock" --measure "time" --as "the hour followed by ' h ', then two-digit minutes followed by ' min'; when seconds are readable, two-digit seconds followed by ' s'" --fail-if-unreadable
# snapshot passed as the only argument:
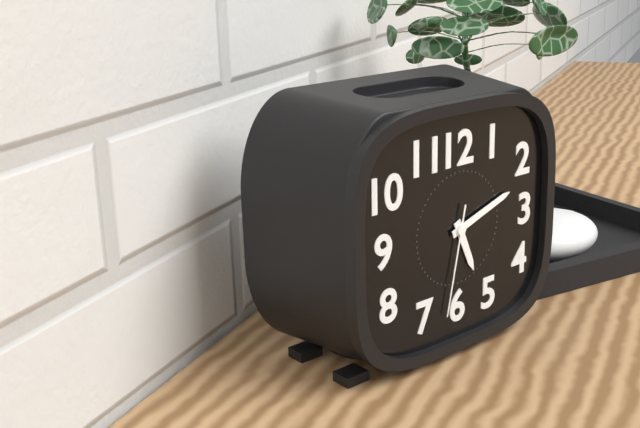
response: 5 h 12 min 32 s
